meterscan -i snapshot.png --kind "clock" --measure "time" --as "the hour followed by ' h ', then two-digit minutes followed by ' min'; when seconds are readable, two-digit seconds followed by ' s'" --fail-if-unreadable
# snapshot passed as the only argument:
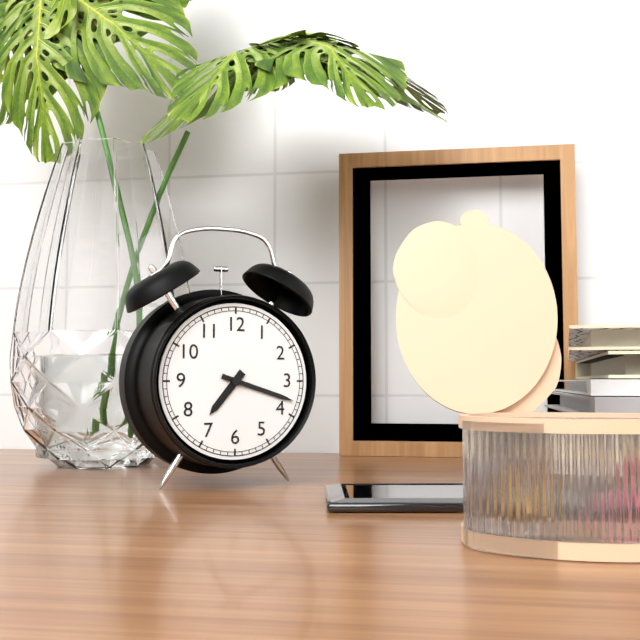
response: 7 h 18 min
